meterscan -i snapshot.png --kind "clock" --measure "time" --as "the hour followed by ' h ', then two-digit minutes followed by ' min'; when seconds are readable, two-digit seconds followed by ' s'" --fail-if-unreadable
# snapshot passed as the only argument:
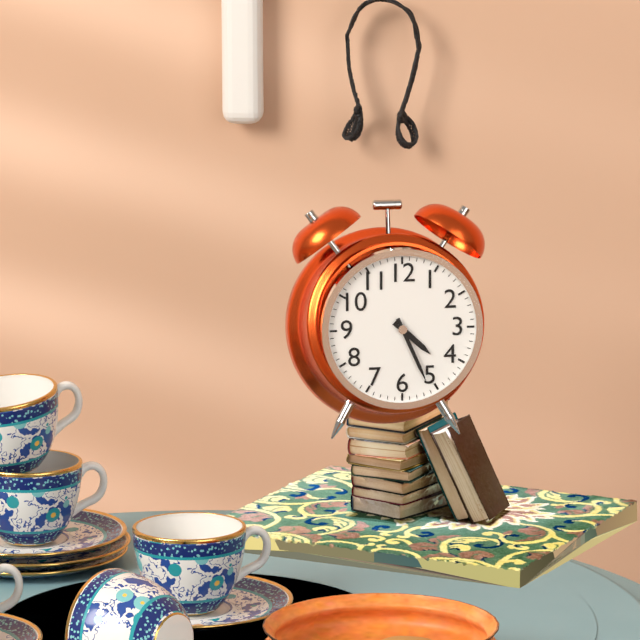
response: 4 h 26 min
